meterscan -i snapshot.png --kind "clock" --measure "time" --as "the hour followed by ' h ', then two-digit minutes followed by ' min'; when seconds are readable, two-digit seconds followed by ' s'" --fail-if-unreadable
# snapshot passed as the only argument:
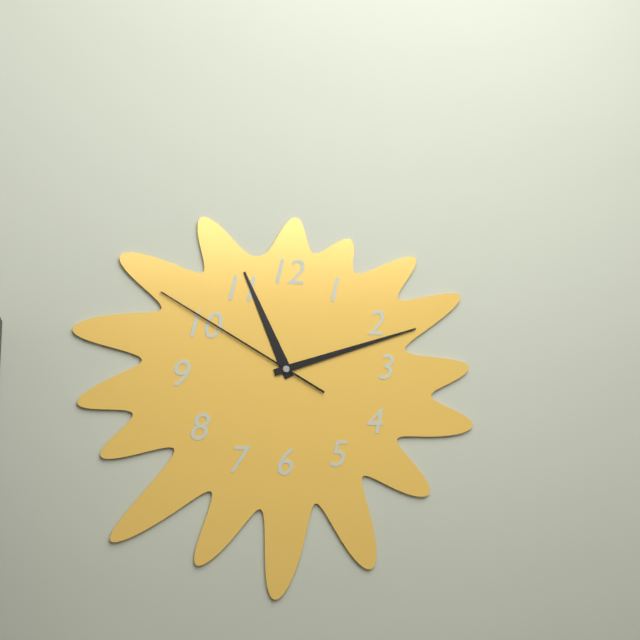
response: 11 h 12 min 50 s
